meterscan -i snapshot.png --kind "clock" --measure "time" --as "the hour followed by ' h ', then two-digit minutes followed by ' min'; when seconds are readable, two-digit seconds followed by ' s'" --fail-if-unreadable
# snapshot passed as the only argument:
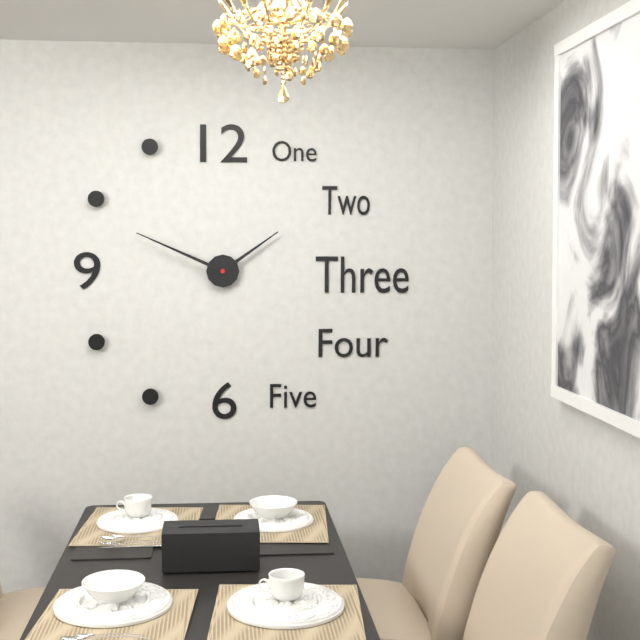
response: 1 h 49 min
